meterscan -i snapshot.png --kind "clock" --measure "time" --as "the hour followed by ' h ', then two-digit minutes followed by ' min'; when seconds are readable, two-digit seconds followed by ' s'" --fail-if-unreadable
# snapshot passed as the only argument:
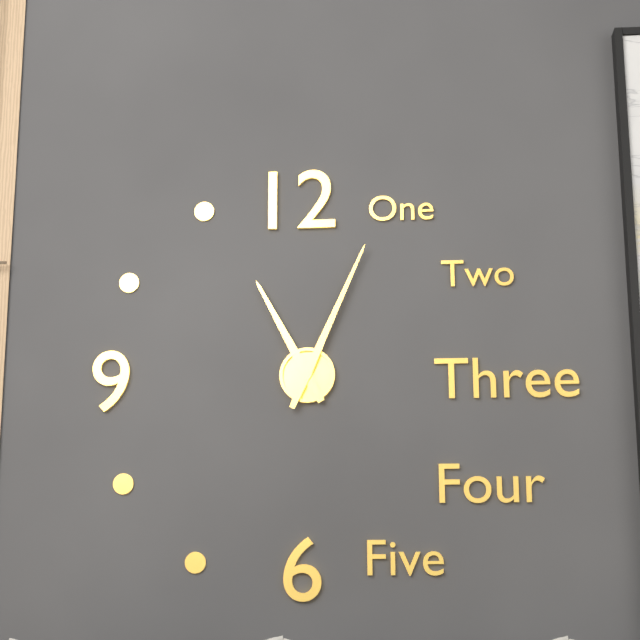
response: 11 h 04 min
